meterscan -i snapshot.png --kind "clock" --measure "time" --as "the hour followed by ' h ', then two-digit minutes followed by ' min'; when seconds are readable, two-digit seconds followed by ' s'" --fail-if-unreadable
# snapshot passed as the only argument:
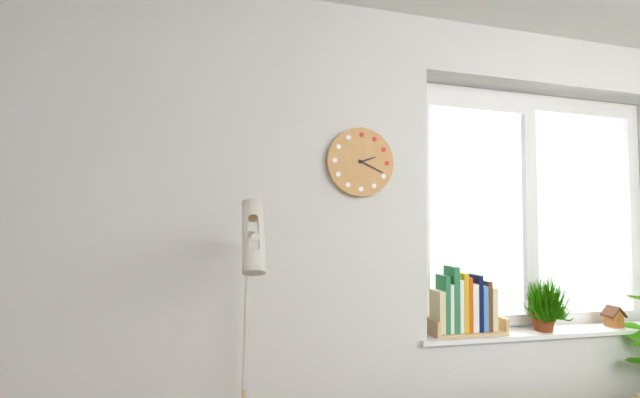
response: 2 h 19 min
